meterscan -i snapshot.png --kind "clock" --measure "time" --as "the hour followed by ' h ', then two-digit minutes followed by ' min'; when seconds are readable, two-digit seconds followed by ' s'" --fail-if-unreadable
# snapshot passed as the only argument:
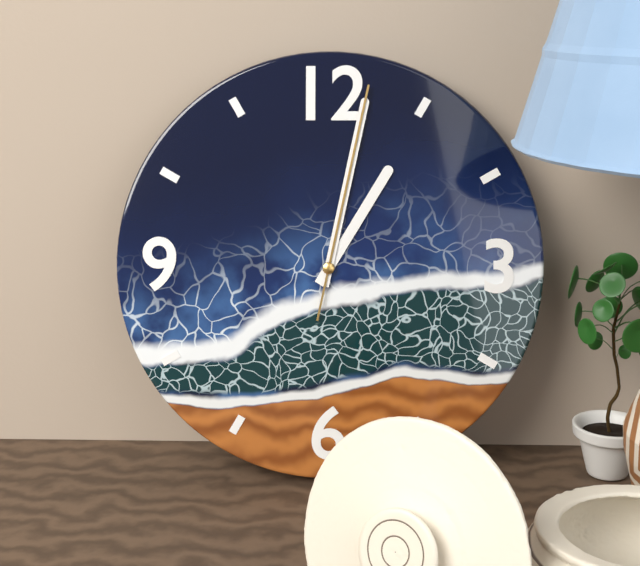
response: 1 h 02 min 02 s
